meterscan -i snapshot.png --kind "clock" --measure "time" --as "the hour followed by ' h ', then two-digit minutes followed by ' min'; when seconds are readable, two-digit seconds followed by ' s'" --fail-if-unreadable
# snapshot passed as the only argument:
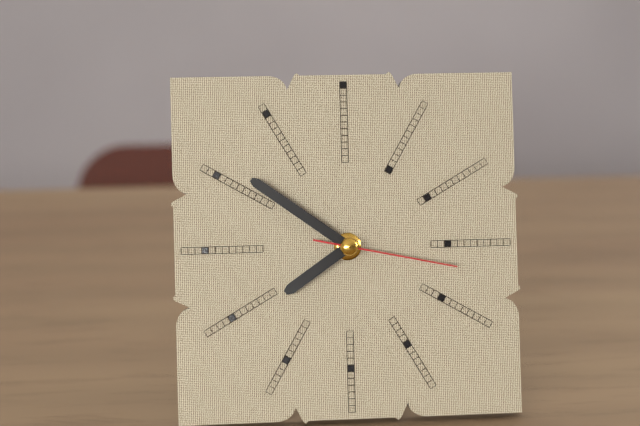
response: 7 h 51 min 17 s
